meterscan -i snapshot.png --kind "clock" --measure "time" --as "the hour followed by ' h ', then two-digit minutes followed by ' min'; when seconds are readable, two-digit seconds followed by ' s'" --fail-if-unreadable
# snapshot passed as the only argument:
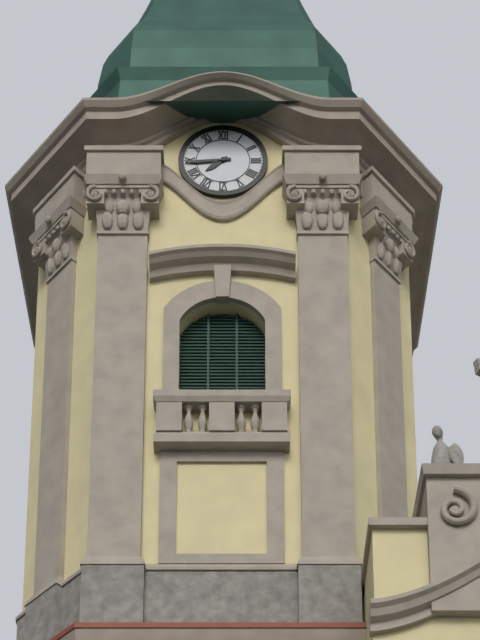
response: 7 h 44 min
